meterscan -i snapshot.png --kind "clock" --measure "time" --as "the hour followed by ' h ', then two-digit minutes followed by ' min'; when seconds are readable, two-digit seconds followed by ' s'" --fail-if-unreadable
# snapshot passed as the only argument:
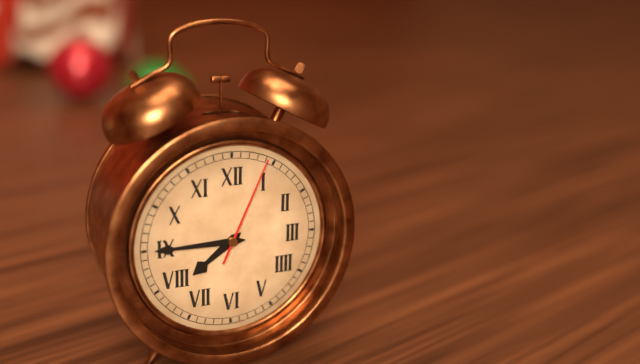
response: 7 h 45 min 04 s
